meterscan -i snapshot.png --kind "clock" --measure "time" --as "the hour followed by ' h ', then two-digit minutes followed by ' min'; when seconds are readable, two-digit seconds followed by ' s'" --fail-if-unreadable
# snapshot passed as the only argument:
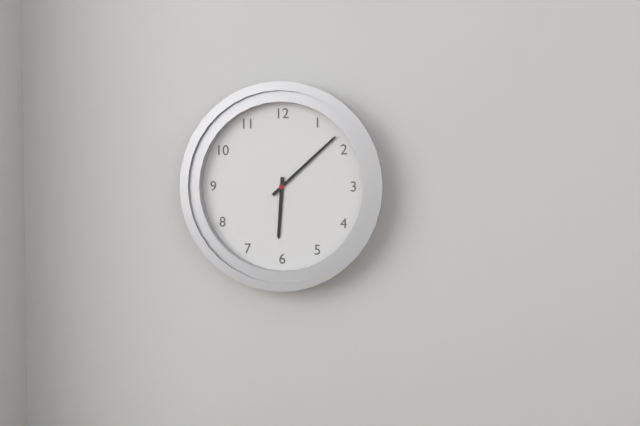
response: 6 h 08 min
